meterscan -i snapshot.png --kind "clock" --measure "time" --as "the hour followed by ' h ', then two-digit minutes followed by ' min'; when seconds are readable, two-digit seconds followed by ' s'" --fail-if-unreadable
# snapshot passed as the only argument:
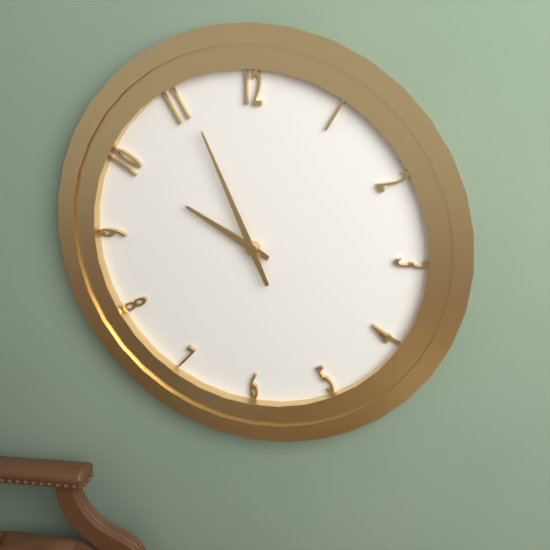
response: 9 h 56 min
